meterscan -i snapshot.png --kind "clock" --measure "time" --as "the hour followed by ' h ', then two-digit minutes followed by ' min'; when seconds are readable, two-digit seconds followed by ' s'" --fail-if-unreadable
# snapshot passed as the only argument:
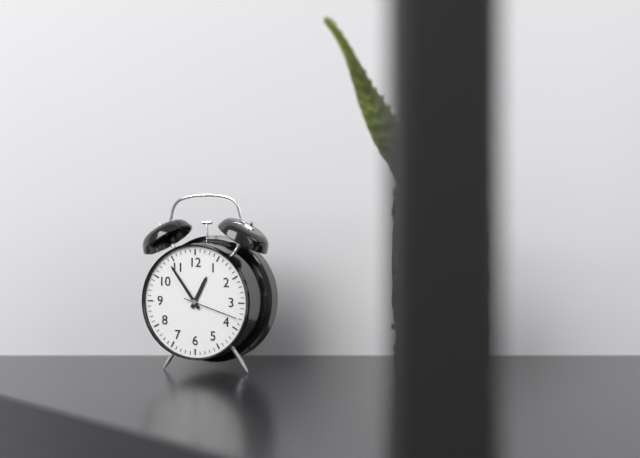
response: 12 h 54 min 18 s
